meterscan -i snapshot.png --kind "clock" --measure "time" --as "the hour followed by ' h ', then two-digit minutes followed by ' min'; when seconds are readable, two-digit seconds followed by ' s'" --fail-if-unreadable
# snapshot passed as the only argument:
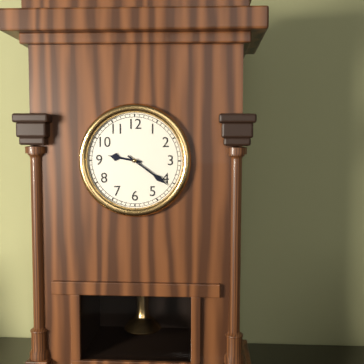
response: 9 h 21 min
